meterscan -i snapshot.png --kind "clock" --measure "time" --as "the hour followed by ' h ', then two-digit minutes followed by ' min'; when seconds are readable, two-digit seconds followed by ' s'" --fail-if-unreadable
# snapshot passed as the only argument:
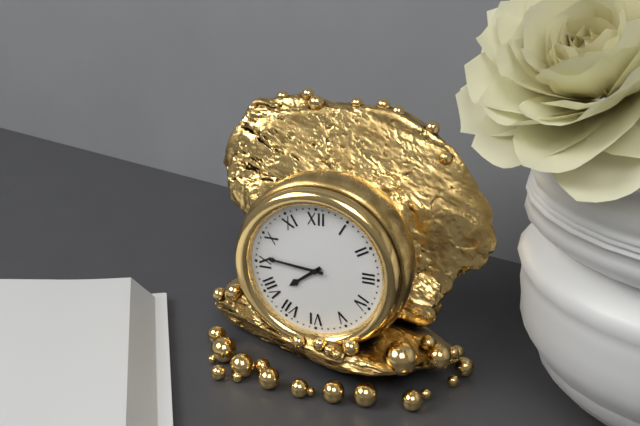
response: 7 h 46 min
